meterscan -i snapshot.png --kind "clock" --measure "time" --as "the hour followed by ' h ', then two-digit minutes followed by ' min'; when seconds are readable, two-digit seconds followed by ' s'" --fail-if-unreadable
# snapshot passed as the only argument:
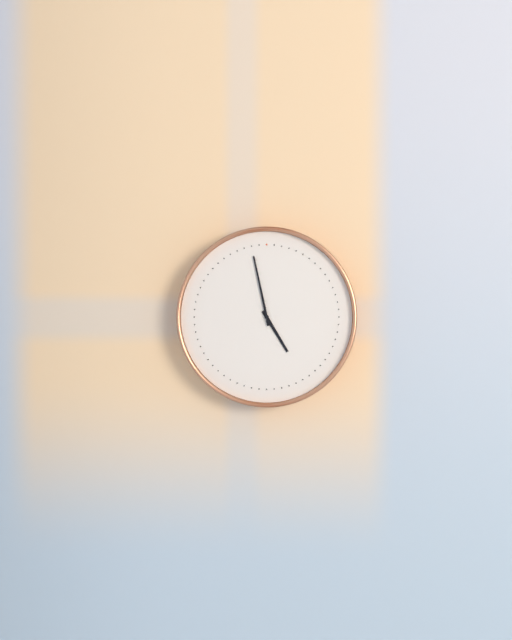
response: 4 h 58 min
